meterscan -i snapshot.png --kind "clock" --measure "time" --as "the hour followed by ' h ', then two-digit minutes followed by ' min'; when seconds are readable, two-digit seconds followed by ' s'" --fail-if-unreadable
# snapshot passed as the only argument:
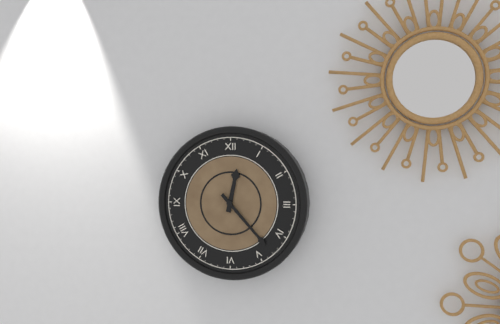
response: 12 h 23 min
